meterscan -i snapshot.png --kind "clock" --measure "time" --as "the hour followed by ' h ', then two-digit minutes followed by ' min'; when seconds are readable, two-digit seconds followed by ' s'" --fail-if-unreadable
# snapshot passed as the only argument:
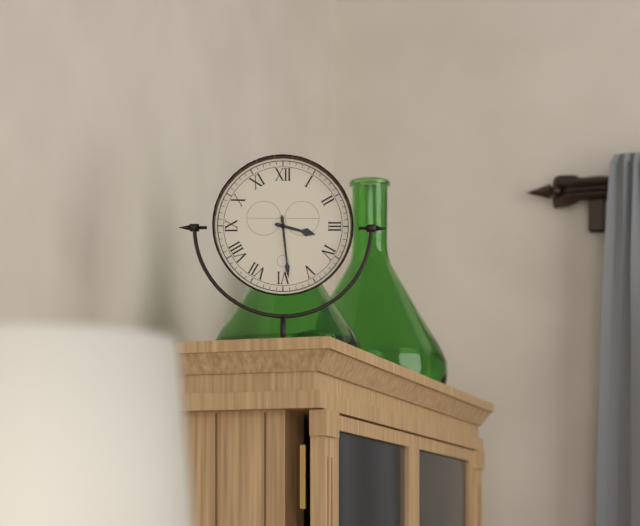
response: 3 h 29 min
